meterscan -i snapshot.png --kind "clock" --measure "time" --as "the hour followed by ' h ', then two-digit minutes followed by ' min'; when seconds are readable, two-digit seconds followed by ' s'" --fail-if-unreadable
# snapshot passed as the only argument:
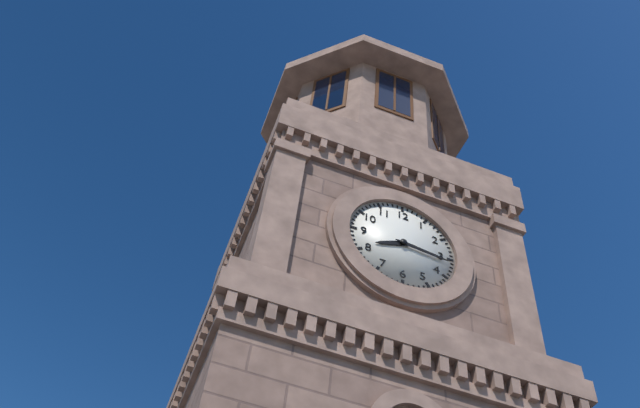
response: 8 h 16 min
